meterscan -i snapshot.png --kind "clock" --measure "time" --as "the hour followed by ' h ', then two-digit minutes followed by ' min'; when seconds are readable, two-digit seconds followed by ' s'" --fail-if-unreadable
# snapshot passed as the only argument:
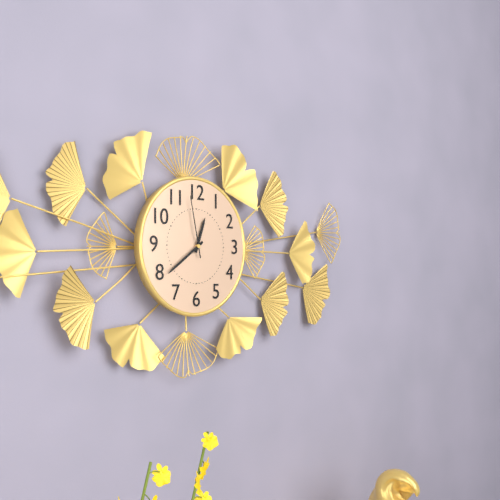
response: 12 h 39 min 58 s
